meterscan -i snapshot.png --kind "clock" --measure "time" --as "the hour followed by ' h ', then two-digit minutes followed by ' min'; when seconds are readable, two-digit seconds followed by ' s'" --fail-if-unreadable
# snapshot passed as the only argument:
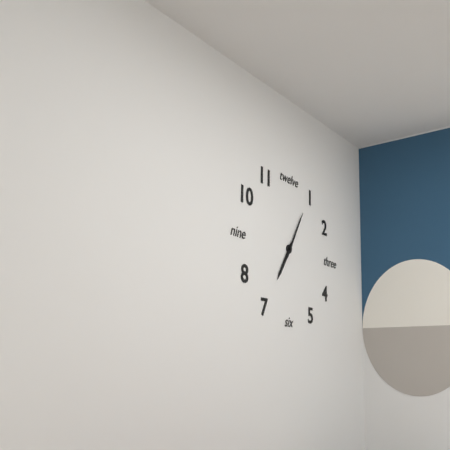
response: 7 h 05 min
